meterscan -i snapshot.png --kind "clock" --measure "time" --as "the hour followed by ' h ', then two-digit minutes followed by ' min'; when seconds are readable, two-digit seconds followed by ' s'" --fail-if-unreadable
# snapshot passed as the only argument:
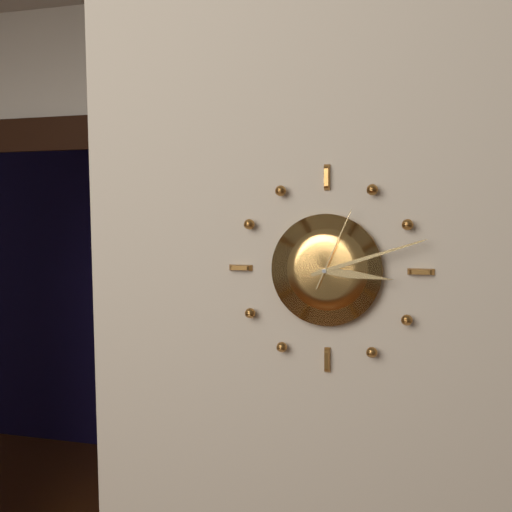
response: 3 h 12 min 04 s
